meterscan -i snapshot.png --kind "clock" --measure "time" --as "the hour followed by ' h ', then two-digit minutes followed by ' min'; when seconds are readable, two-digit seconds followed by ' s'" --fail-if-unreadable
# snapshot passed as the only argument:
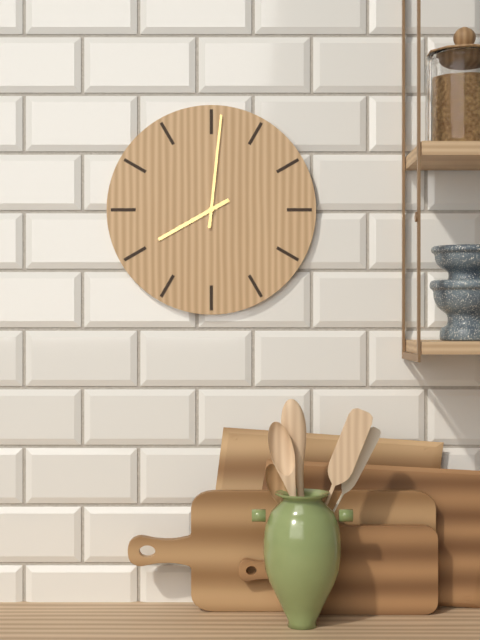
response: 8 h 01 min
